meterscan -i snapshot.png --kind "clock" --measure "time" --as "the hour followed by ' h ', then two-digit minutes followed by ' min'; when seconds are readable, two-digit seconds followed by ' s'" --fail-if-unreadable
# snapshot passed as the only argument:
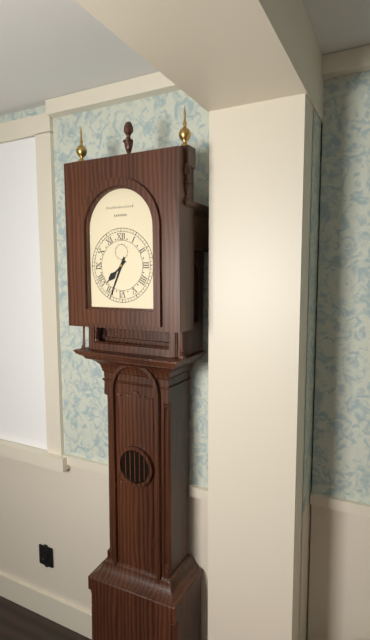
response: 7 h 34 min
